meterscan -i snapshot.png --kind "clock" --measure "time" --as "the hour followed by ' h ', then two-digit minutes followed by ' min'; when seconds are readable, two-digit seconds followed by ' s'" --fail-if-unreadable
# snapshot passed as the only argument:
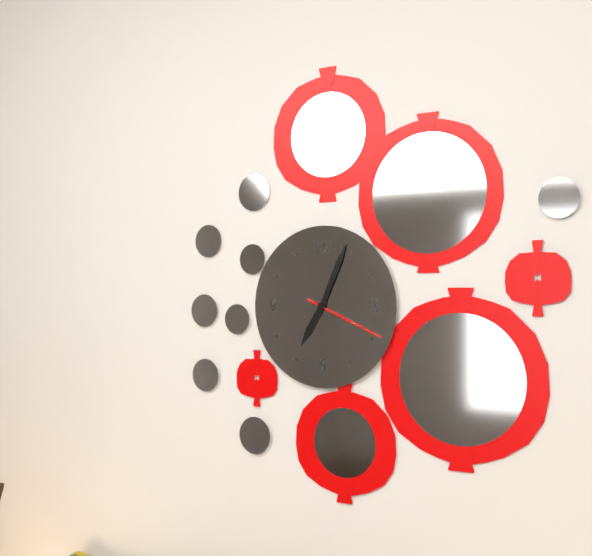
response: 7 h 04 min 19 s
